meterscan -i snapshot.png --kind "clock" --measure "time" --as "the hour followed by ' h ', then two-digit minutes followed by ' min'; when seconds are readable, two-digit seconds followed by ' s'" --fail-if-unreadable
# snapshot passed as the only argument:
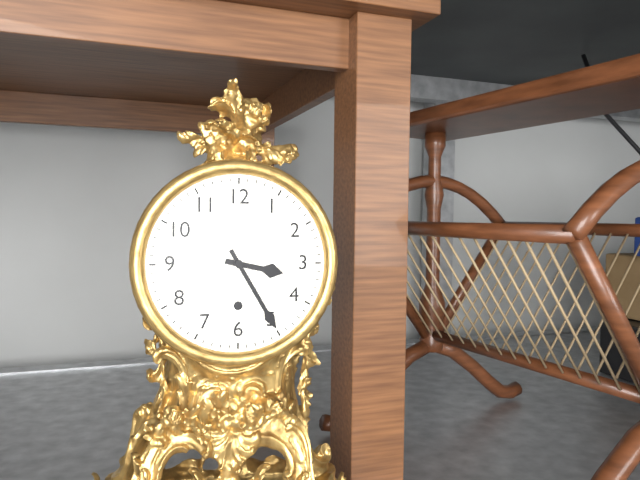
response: 3 h 25 min
